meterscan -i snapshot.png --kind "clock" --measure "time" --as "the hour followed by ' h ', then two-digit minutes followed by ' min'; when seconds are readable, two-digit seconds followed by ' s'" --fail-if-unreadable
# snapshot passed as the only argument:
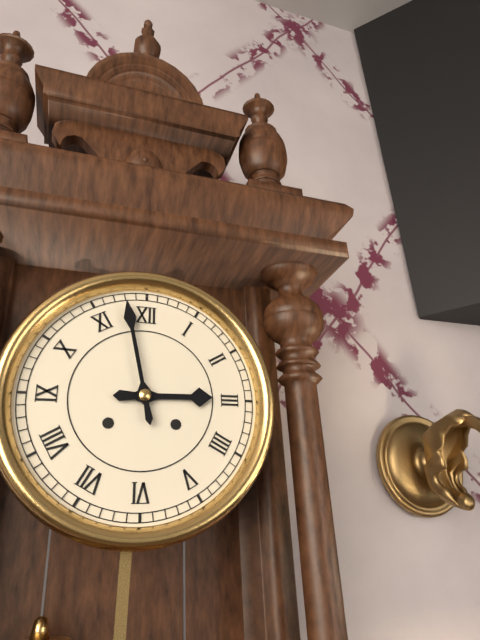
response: 2 h 58 min
